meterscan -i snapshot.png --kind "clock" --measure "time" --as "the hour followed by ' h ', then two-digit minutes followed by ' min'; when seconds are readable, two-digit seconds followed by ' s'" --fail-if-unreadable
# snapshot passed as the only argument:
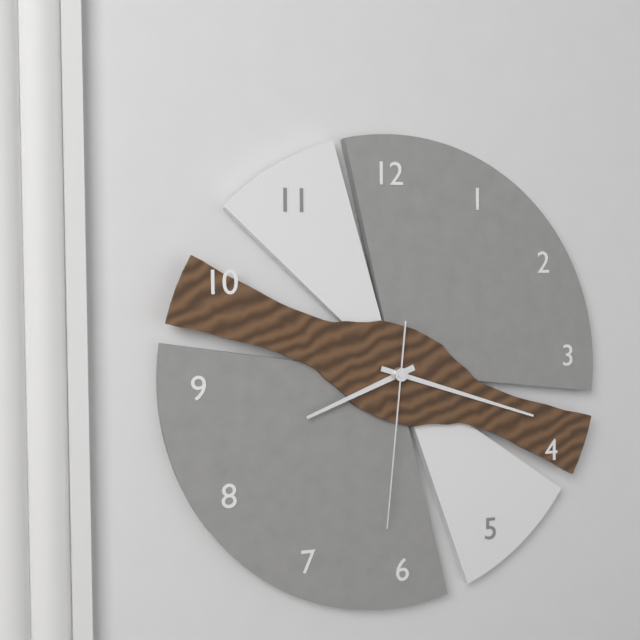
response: 8 h 18 min 31 s
